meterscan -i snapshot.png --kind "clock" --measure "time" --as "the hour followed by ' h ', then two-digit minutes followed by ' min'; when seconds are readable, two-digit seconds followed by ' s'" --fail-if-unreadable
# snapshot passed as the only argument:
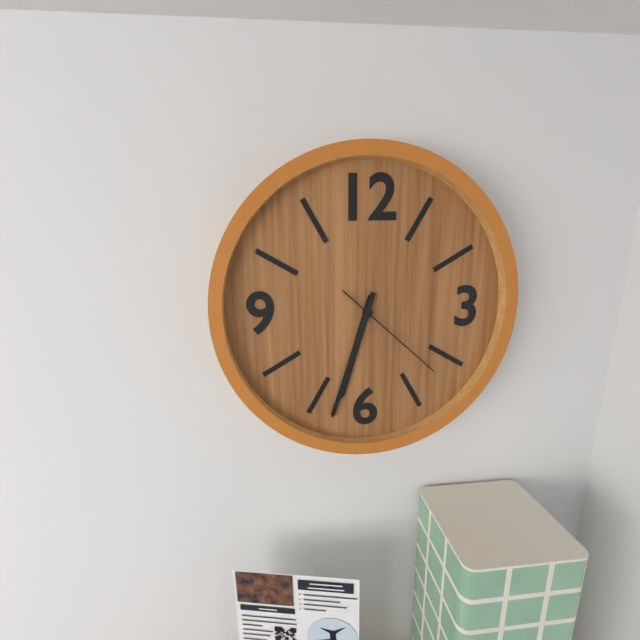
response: 6 h 33 min 22 s
